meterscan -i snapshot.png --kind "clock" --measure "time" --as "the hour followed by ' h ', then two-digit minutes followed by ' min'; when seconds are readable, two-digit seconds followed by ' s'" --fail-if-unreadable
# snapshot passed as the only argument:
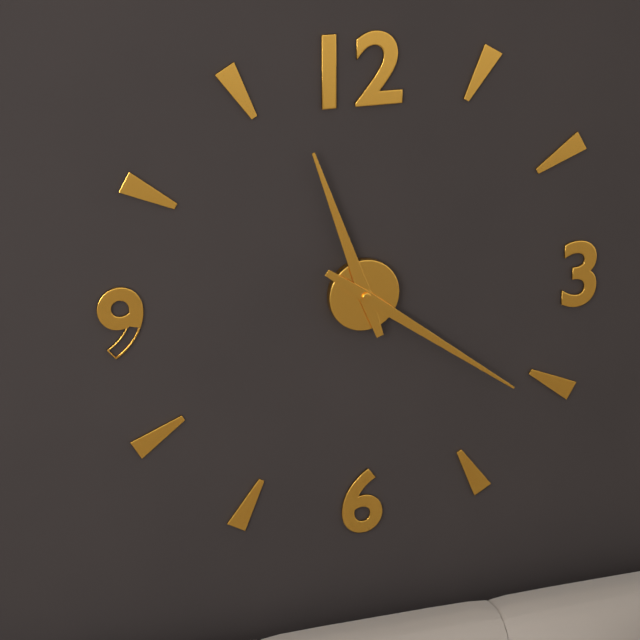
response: 11 h 21 min
